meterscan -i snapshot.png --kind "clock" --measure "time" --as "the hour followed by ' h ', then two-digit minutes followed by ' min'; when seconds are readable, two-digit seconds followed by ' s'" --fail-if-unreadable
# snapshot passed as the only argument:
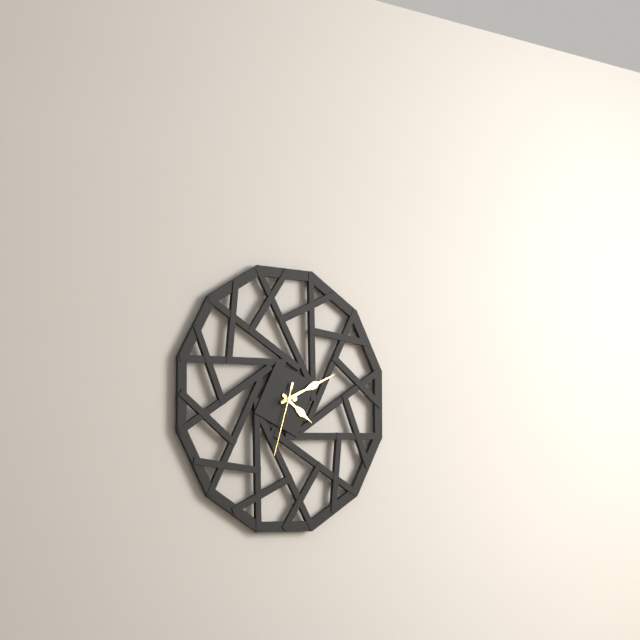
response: 4 h 11 min 33 s
